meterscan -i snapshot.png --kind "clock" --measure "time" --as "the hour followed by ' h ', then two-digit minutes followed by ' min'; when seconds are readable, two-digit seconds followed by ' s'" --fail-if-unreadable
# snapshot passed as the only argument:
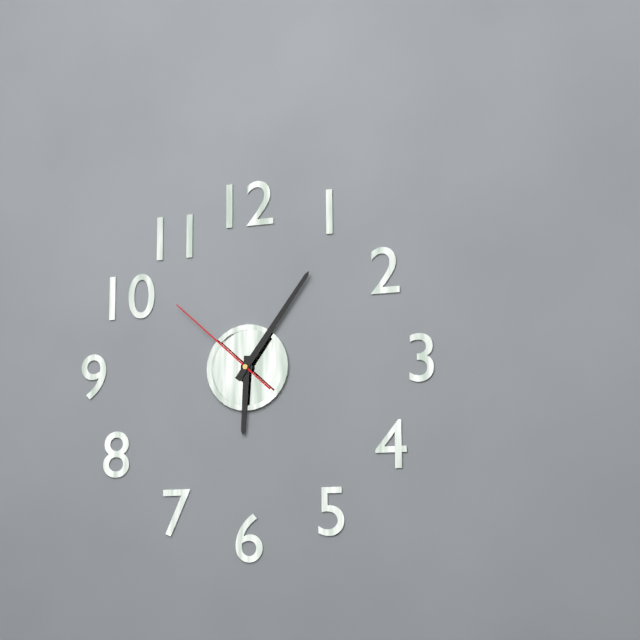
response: 6 h 06 min 52 s
